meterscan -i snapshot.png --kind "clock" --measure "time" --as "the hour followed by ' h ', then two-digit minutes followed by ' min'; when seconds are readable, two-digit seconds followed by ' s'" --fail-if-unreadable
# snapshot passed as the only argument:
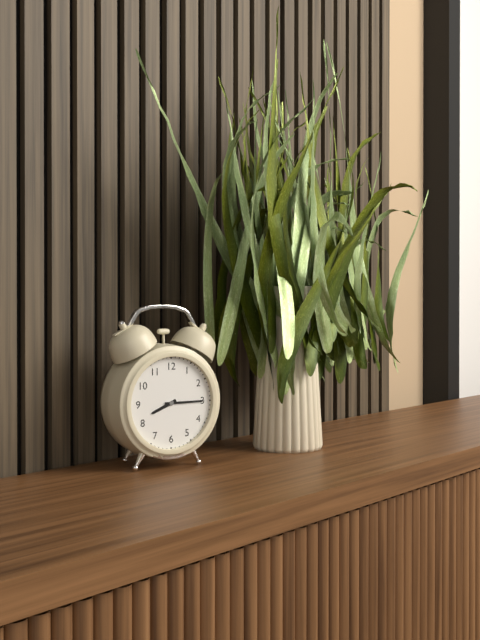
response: 8 h 15 min
